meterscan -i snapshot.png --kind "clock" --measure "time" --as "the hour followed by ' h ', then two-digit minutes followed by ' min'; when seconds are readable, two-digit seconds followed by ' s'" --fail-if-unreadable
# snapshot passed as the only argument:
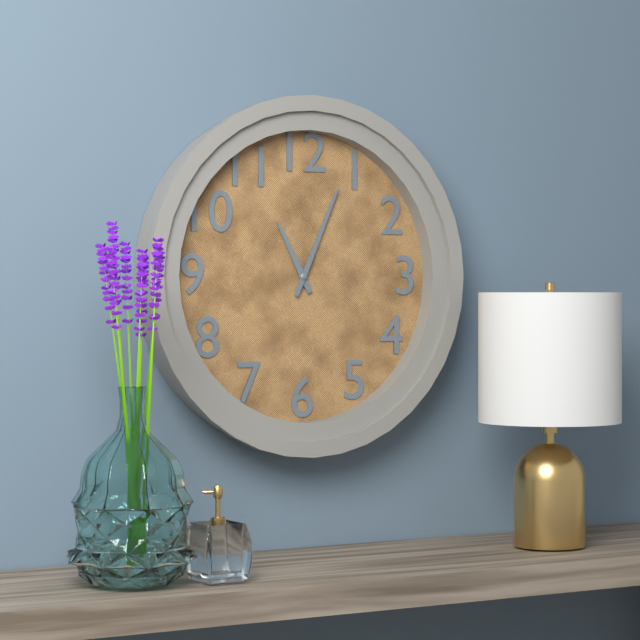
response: 11 h 04 min
